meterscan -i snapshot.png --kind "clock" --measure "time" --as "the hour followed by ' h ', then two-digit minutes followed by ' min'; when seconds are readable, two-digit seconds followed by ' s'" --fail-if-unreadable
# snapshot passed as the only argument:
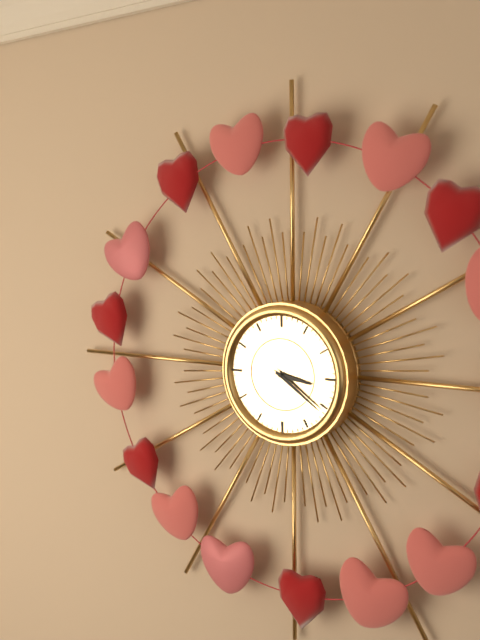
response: 3 h 21 min
